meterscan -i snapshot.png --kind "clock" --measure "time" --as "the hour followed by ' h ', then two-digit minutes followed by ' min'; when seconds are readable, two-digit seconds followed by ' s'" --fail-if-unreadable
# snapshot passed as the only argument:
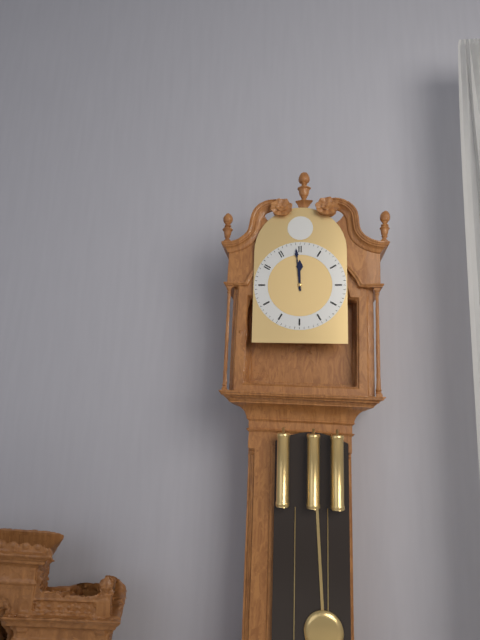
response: 11 h 59 min
